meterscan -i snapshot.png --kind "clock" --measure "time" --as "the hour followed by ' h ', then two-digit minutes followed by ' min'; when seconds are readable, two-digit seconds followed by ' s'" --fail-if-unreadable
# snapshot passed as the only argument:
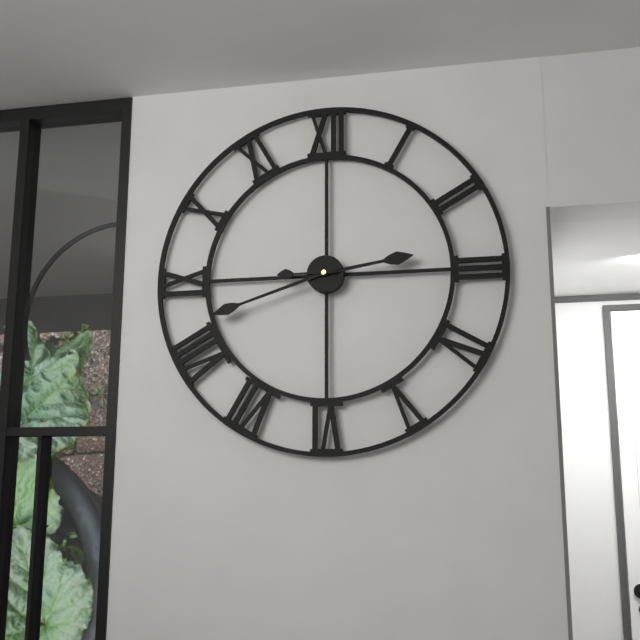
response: 2 h 42 min 45 s
